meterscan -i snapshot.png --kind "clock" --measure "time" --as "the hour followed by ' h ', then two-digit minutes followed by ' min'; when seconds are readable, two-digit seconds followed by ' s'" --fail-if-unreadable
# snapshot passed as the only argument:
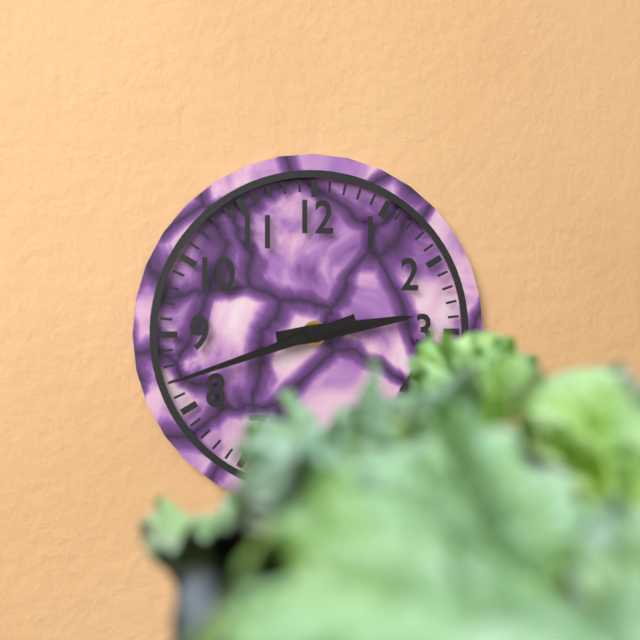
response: 2 h 42 min
